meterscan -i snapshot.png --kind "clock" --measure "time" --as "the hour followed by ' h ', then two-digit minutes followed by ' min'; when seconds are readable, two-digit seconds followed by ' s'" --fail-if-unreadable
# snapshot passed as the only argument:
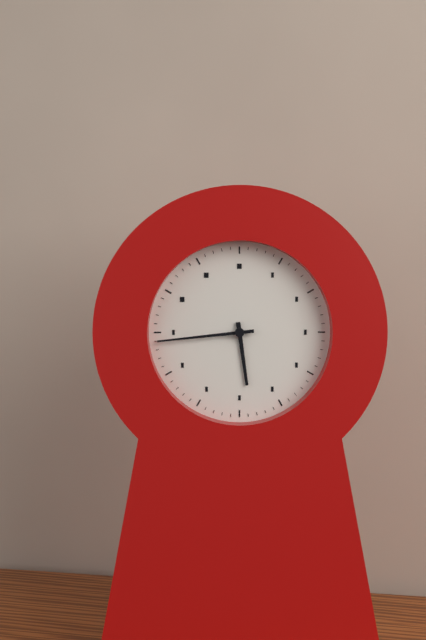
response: 5 h 44 min
